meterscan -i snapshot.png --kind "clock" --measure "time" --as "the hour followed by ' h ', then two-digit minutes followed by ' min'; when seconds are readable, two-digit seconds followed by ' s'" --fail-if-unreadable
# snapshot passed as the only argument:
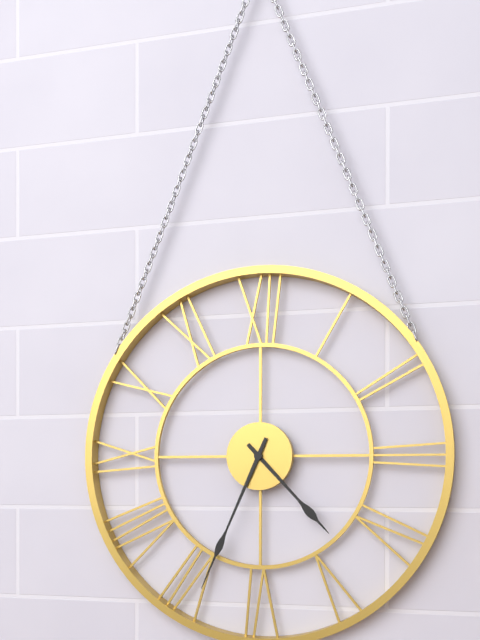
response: 4 h 34 min
